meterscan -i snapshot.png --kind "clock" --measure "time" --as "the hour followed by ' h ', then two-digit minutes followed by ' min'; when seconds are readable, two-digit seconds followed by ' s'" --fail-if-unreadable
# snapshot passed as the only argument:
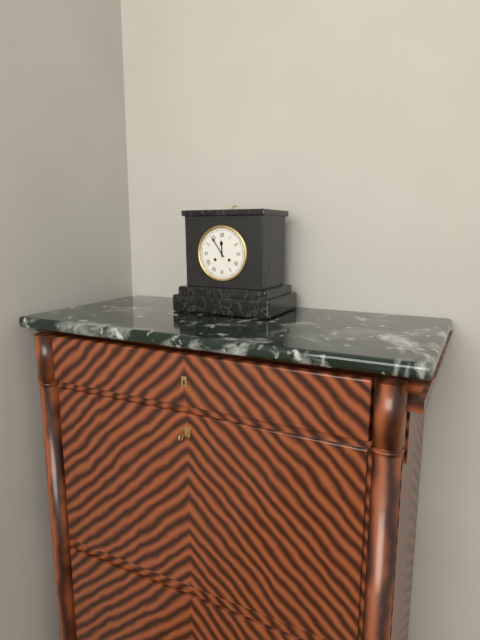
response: 11 h 54 min
